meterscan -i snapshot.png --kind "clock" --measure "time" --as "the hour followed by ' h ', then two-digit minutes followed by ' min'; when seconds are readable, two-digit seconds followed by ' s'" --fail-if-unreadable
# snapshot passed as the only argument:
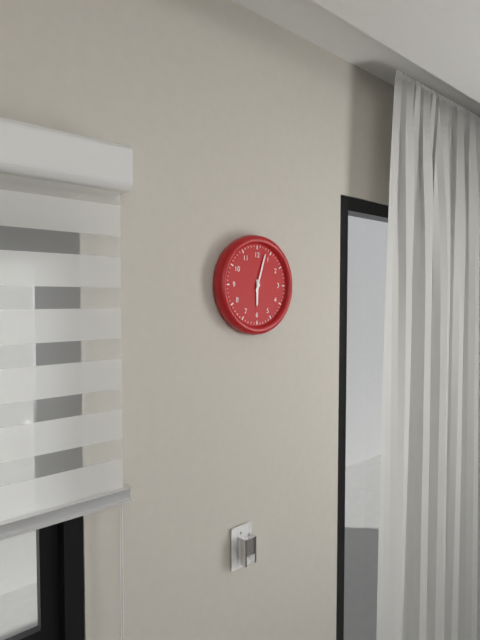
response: 6 h 03 min
